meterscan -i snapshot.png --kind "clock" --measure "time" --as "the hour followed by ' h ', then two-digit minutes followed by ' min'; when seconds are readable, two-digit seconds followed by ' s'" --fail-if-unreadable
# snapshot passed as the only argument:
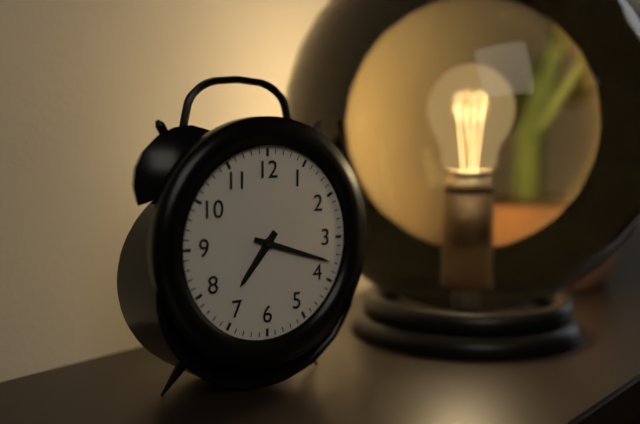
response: 7 h 18 min
